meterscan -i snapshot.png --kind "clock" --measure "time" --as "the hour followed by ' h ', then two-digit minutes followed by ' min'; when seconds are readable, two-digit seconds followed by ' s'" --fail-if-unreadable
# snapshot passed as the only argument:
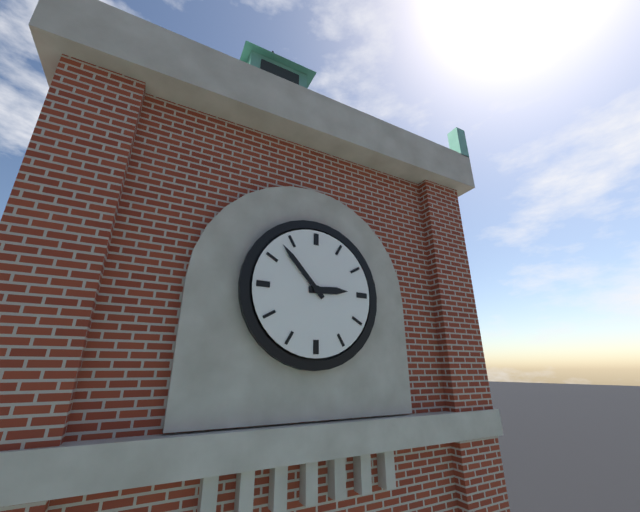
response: 2 h 53 min
